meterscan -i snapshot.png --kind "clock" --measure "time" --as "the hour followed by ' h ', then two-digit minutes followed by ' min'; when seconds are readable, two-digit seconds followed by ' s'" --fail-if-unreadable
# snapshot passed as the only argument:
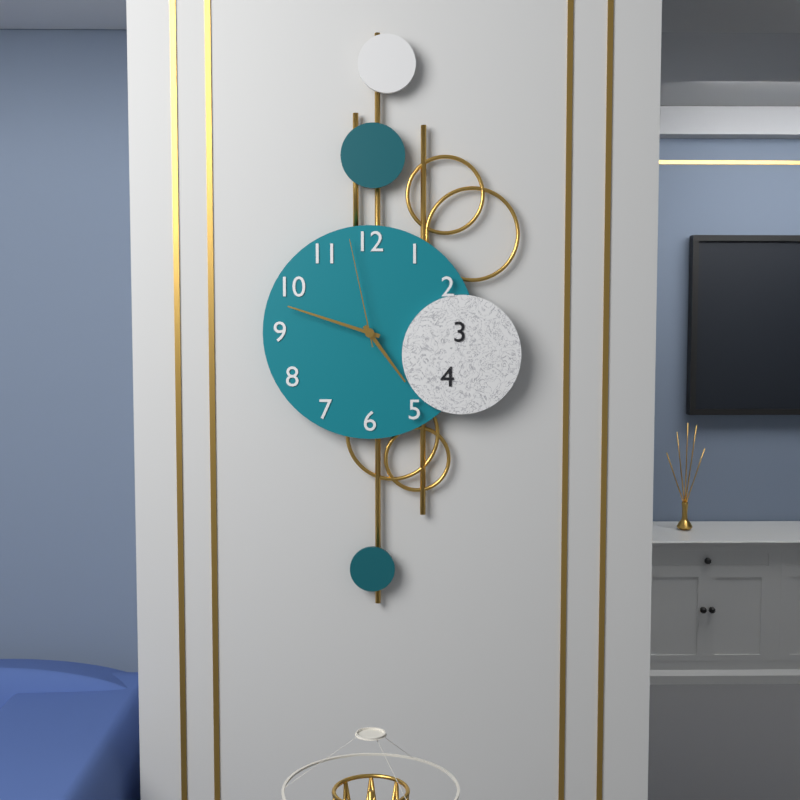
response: 4 h 48 min 58 s
